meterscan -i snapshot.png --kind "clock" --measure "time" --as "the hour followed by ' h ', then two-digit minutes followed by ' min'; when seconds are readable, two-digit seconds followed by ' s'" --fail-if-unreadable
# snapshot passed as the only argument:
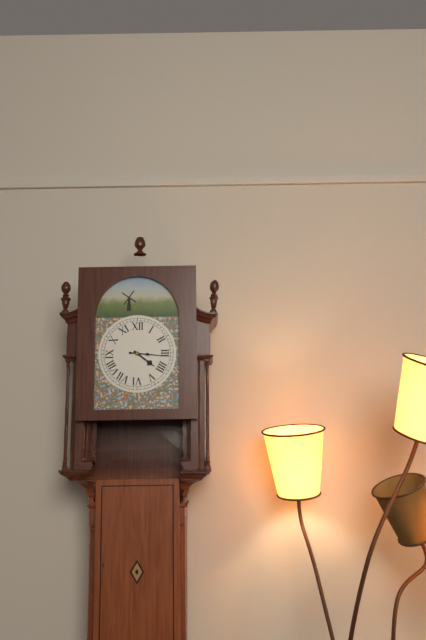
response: 4 h 16 min
